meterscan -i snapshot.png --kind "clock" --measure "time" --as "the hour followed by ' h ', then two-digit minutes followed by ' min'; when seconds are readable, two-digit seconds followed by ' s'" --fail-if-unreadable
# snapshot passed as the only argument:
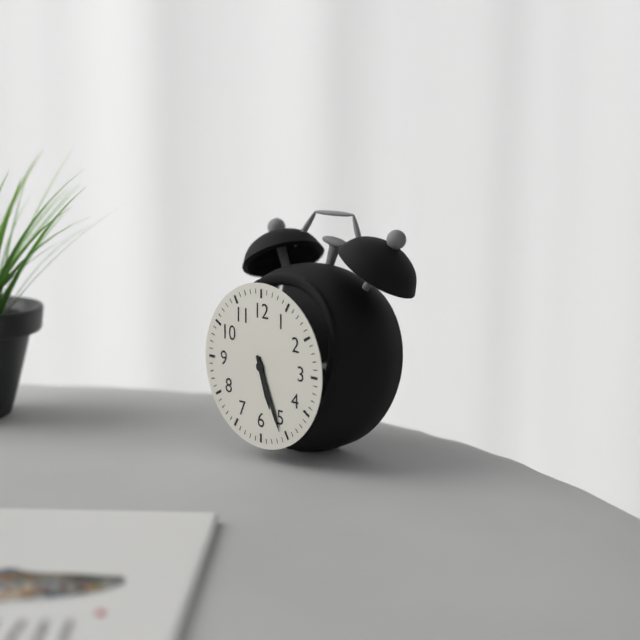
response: 5 h 26 min
